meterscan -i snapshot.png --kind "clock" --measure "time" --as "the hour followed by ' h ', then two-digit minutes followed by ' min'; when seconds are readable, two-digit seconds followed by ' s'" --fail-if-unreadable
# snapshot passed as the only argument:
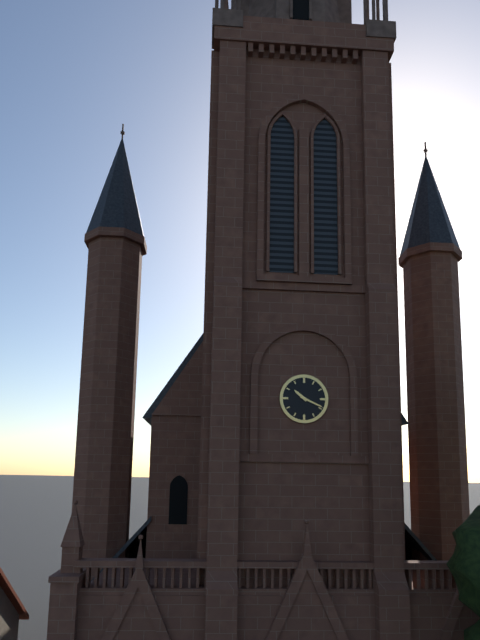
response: 10 h 19 min
